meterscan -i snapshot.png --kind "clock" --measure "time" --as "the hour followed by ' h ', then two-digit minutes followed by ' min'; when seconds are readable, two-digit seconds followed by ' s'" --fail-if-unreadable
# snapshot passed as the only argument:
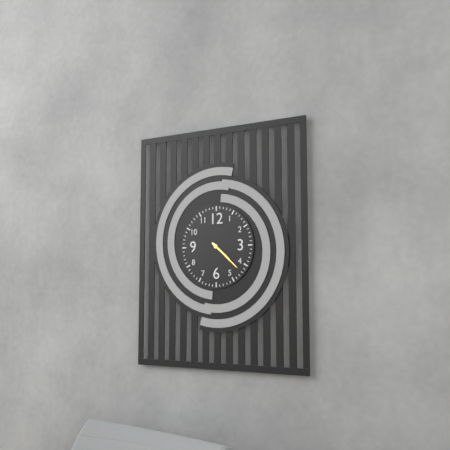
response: 4 h 22 min
